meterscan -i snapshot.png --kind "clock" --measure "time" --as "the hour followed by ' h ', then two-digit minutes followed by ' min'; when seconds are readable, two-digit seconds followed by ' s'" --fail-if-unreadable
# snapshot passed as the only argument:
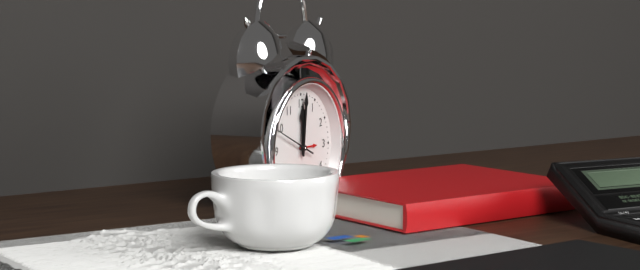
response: 12 h 01 min
